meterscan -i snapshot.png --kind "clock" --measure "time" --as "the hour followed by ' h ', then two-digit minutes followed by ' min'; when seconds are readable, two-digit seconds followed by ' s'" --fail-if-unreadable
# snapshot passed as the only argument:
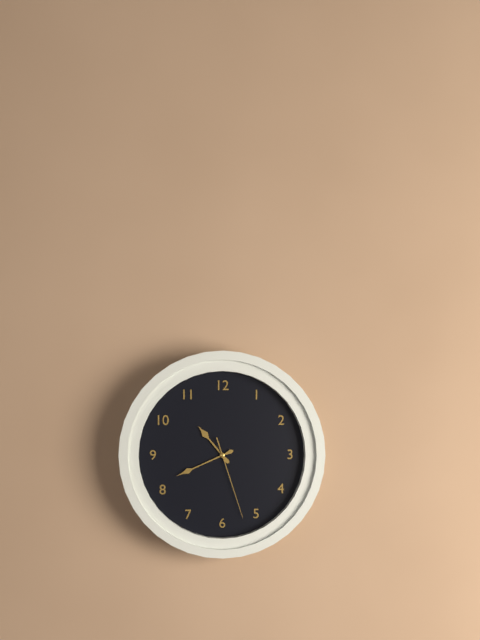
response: 10 h 41 min 27 s
